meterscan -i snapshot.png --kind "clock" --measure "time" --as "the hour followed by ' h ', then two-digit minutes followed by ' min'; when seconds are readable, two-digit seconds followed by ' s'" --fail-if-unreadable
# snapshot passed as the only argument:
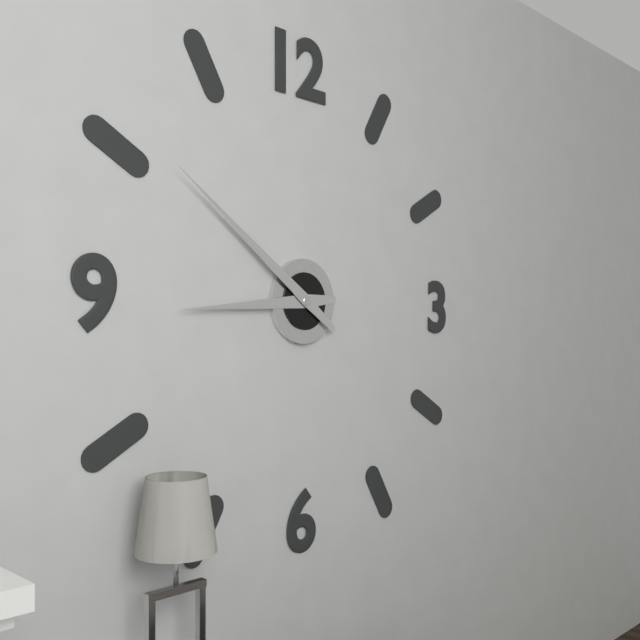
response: 8 h 51 min
